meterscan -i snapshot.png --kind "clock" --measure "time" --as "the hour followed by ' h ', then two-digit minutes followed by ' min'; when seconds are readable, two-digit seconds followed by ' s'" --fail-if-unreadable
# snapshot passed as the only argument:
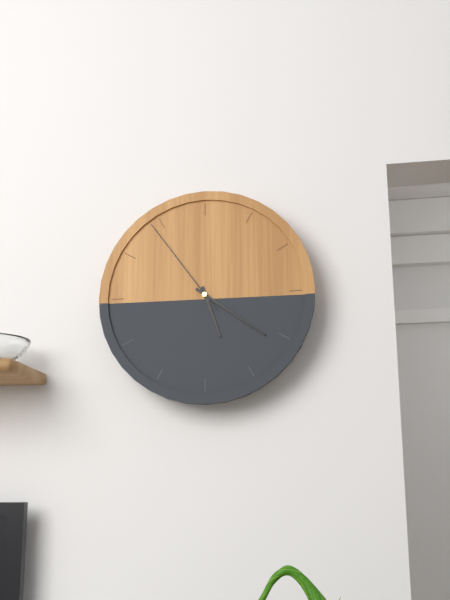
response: 5 h 21 min 54 s
